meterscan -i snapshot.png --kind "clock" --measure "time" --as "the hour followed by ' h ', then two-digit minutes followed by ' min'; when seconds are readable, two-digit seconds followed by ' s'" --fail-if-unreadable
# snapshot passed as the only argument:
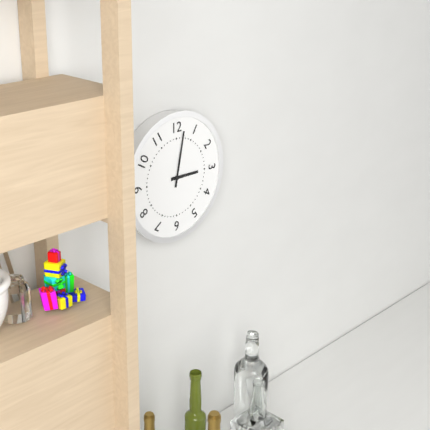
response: 3 h 02 min
